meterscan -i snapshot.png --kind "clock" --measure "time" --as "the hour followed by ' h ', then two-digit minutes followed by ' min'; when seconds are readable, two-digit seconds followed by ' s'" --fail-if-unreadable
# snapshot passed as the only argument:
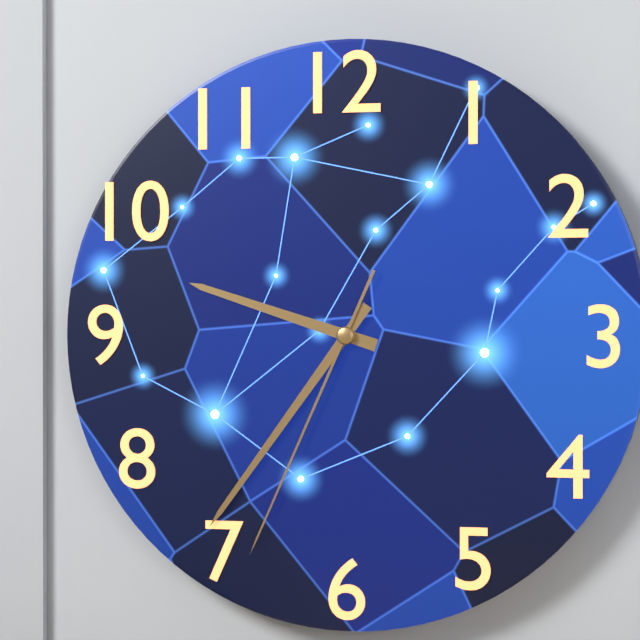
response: 9 h 36 min 34 s
